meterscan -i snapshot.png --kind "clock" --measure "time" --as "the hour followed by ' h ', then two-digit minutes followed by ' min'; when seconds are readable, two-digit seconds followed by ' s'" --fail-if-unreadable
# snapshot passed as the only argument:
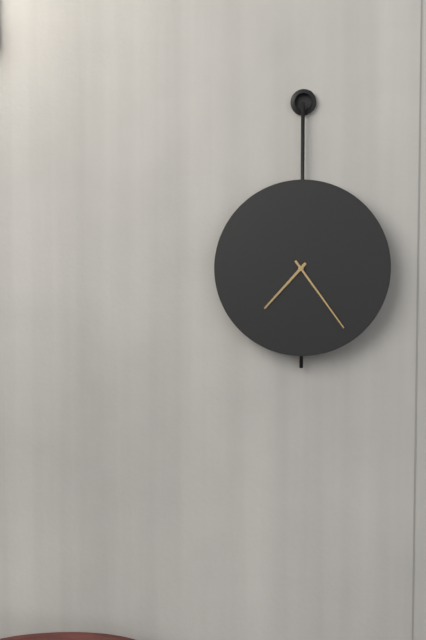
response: 7 h 24 min
